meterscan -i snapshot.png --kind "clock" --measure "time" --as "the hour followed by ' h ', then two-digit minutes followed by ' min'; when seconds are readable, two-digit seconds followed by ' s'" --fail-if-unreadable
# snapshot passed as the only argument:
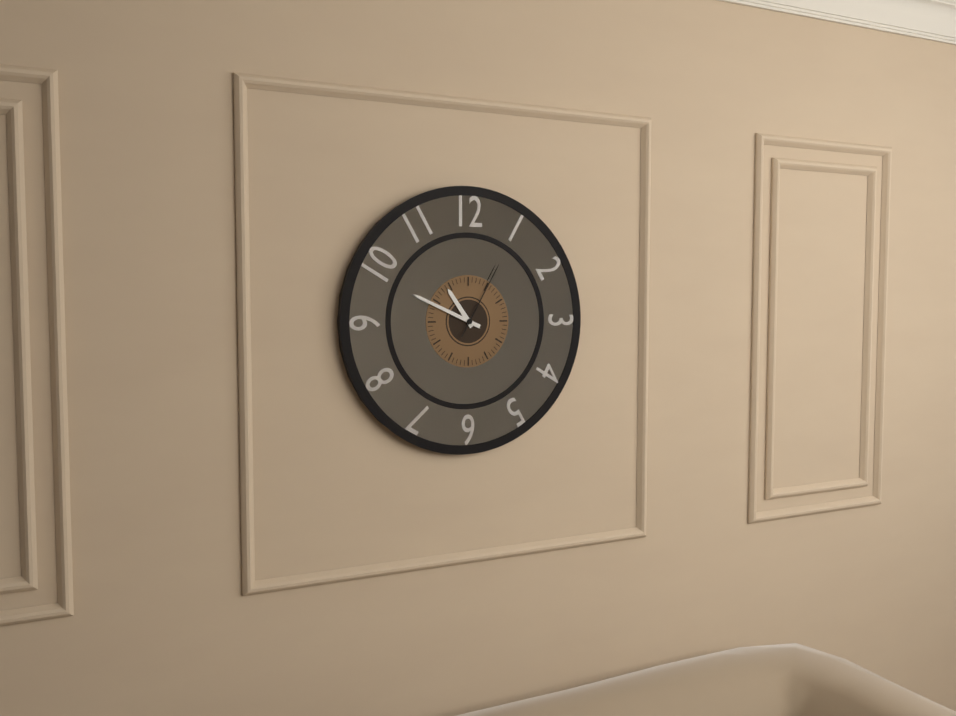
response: 10 h 49 min 05 s
